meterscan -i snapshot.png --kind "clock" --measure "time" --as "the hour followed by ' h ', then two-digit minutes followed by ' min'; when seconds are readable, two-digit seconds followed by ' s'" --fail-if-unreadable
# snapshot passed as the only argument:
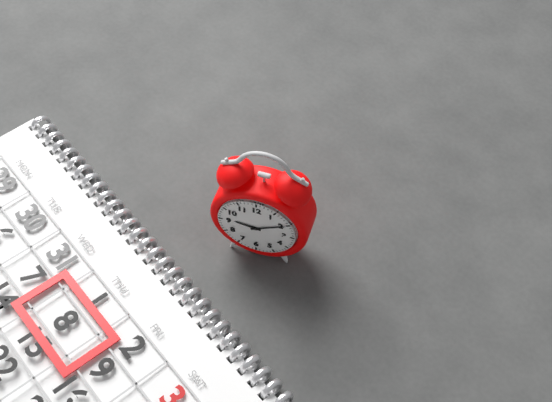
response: 9 h 10 min
